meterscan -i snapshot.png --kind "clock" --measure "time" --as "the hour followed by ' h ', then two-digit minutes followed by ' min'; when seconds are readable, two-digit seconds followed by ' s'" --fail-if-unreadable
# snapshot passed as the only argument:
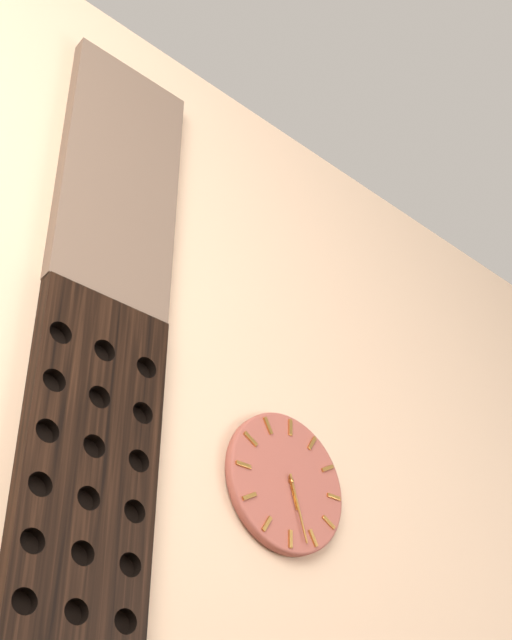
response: 5 h 27 min
